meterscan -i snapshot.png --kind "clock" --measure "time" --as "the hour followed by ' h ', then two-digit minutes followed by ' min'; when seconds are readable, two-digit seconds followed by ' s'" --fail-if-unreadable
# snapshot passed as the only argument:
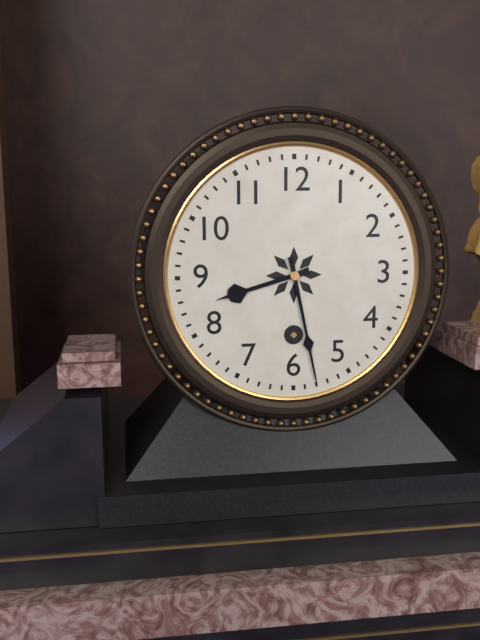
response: 8 h 28 min
